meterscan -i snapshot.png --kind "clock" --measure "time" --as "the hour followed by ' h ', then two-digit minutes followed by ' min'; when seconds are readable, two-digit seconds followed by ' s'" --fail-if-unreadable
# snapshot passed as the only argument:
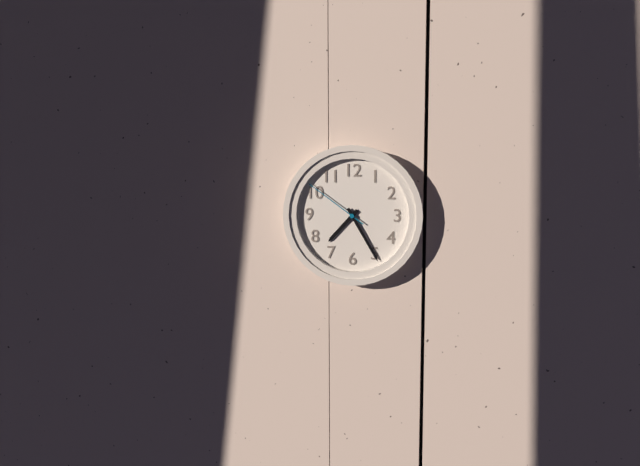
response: 7 h 25 min 51 s
